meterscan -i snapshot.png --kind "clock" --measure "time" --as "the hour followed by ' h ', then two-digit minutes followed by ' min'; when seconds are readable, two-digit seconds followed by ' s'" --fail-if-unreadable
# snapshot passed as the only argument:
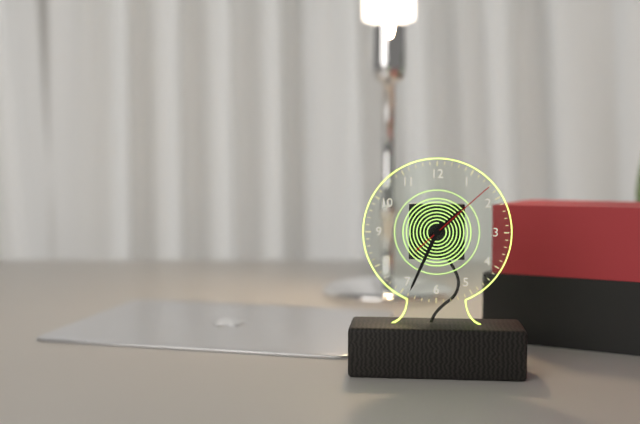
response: 1 h 34 min 08 s
